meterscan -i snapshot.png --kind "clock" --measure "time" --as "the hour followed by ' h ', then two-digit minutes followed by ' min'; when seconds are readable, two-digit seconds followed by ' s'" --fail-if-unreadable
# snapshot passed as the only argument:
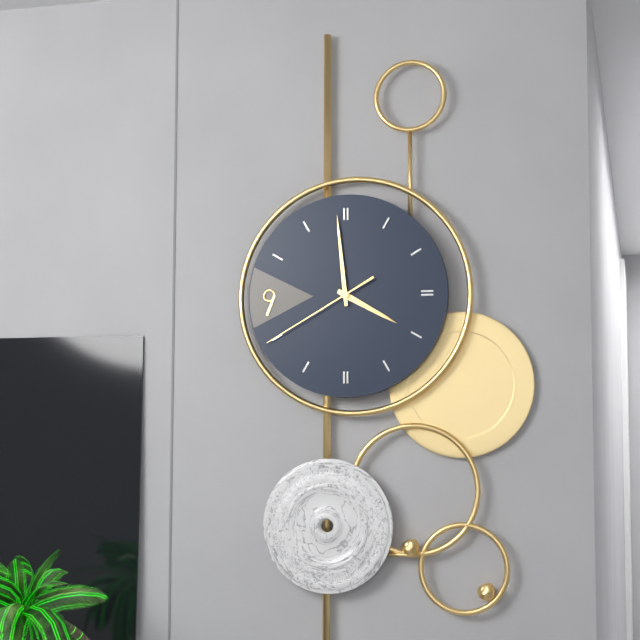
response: 3 h 59 min 40 s
